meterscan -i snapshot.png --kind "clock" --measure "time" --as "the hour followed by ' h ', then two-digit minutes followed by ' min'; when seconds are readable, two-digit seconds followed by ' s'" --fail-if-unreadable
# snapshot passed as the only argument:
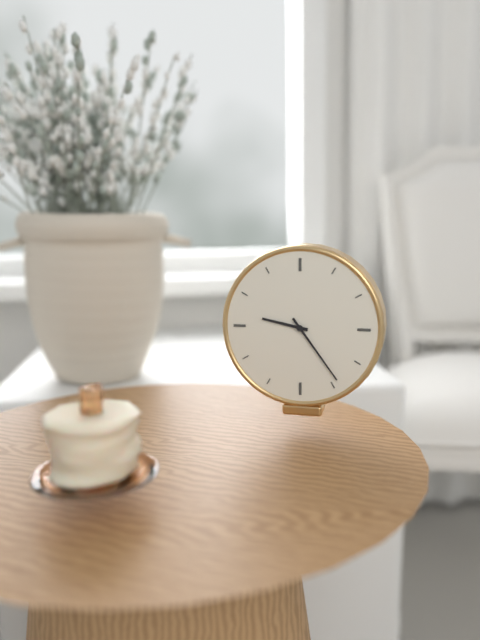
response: 9 h 24 min
